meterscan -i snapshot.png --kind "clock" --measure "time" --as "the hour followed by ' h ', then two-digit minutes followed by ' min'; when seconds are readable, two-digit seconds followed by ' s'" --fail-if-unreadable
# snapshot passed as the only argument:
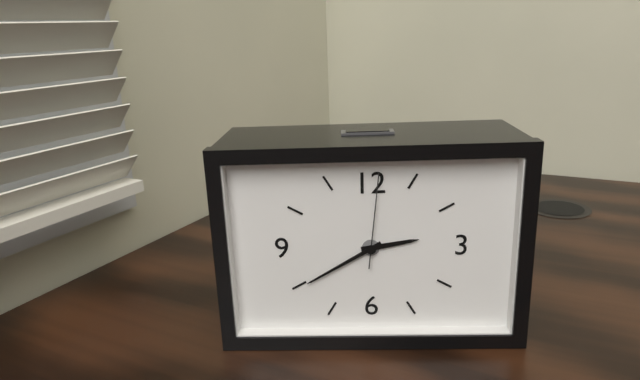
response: 2 h 40 min 01 s
